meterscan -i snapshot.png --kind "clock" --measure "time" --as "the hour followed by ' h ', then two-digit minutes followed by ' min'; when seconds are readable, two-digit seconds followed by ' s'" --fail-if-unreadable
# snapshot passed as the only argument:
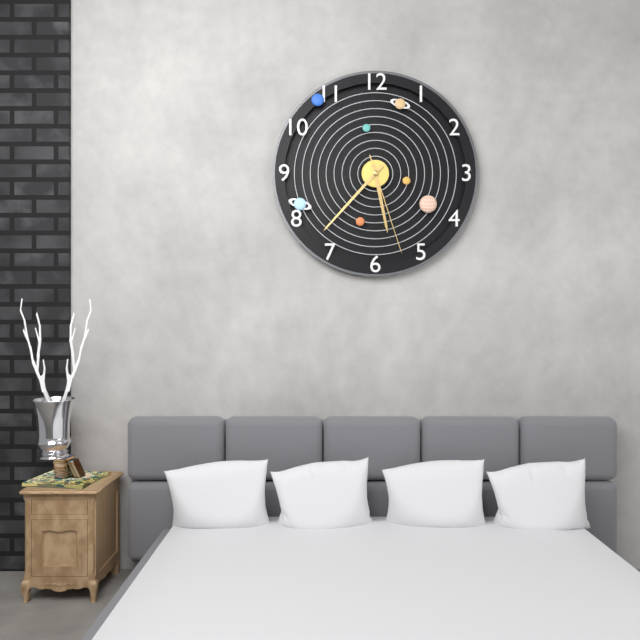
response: 5 h 37 min 27 s
